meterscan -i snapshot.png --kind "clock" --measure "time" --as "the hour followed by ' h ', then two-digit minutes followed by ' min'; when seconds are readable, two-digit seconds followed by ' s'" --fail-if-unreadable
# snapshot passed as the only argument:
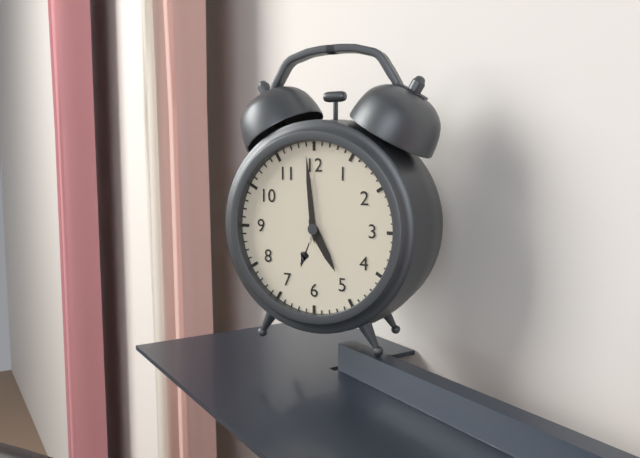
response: 4 h 59 min
